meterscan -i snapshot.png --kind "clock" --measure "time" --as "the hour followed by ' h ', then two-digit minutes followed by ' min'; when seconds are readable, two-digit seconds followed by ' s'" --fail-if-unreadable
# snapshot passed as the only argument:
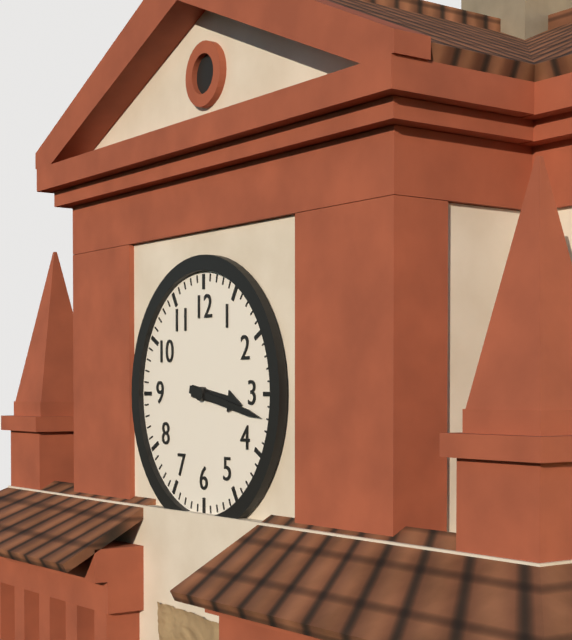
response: 3 h 17 min
